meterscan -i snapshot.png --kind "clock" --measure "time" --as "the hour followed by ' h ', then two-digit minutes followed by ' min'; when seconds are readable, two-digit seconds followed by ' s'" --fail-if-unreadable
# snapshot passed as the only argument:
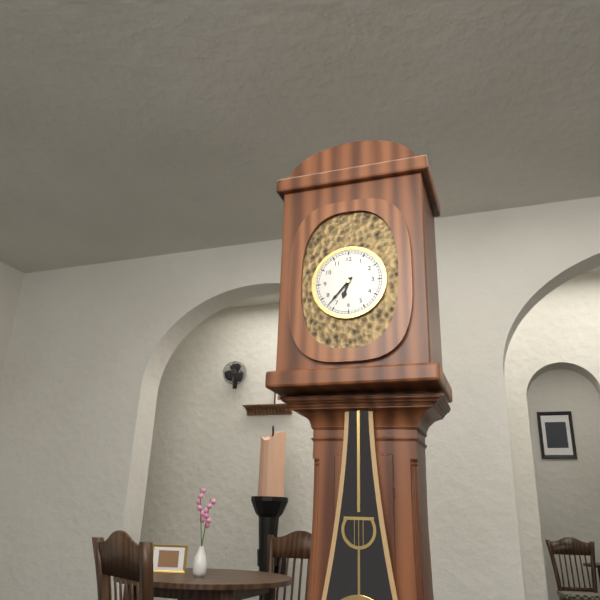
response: 6 h 37 min
